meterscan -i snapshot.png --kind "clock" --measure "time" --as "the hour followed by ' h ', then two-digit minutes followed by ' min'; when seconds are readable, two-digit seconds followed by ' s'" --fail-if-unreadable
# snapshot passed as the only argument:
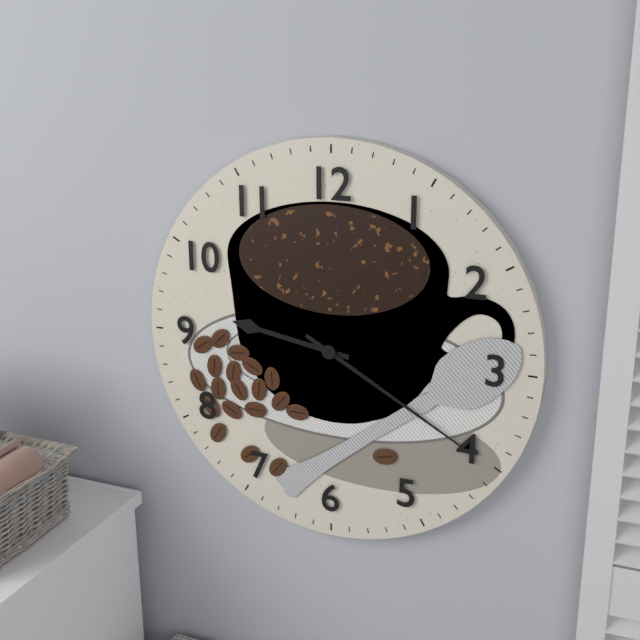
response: 9 h 20 min
